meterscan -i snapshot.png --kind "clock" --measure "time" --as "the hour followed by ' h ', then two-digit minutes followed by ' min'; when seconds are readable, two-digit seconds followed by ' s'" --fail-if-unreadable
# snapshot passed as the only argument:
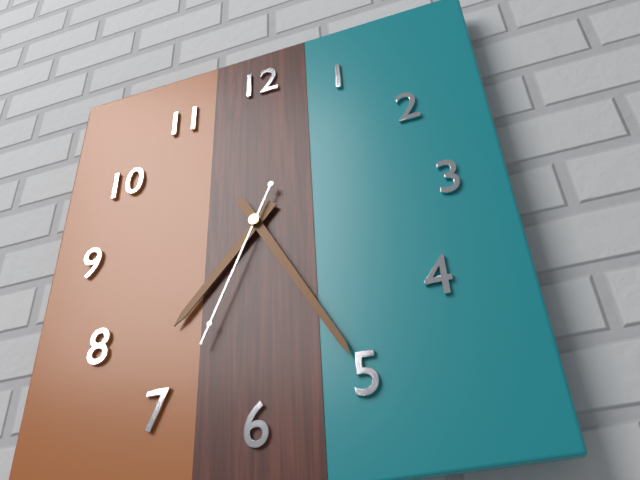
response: 7 h 25 min 34 s
